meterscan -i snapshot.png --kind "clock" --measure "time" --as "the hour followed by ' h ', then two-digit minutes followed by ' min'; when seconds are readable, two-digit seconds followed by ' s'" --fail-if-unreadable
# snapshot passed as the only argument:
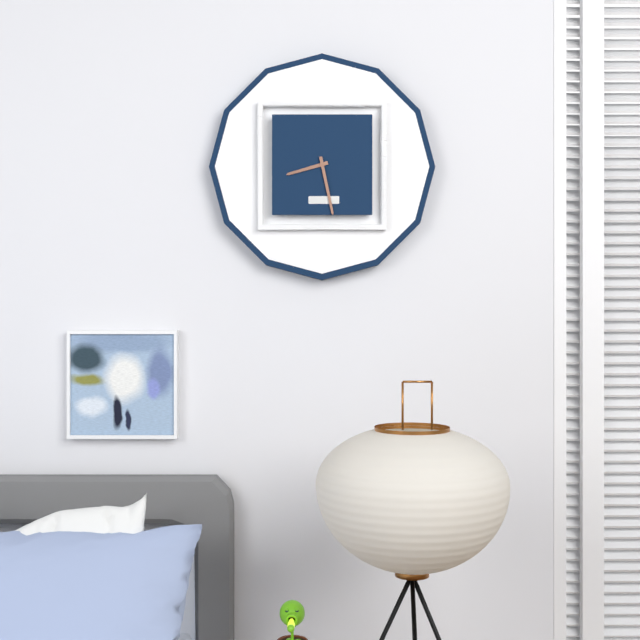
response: 8 h 28 min
